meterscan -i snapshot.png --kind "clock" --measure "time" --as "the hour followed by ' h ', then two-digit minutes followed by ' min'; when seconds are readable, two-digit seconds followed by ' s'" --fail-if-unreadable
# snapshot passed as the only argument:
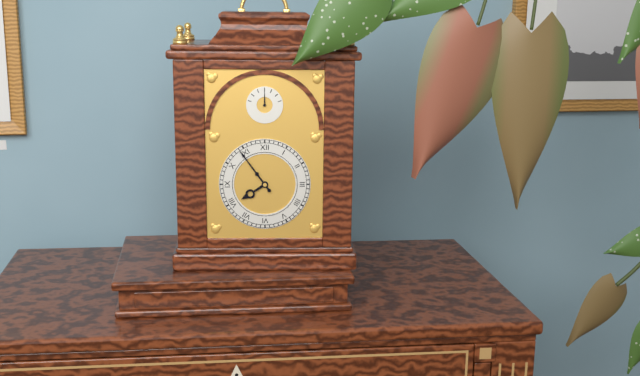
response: 7 h 54 min
